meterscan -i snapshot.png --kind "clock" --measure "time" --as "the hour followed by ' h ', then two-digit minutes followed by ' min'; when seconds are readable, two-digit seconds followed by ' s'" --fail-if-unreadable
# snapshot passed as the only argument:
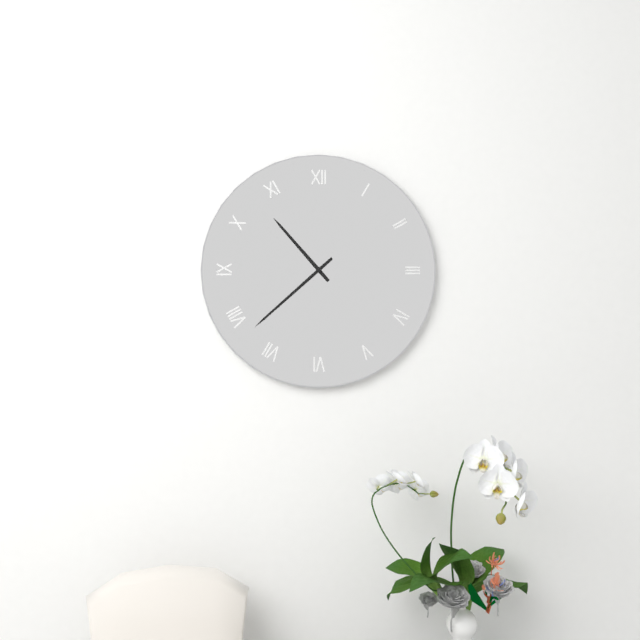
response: 10 h 38 min
